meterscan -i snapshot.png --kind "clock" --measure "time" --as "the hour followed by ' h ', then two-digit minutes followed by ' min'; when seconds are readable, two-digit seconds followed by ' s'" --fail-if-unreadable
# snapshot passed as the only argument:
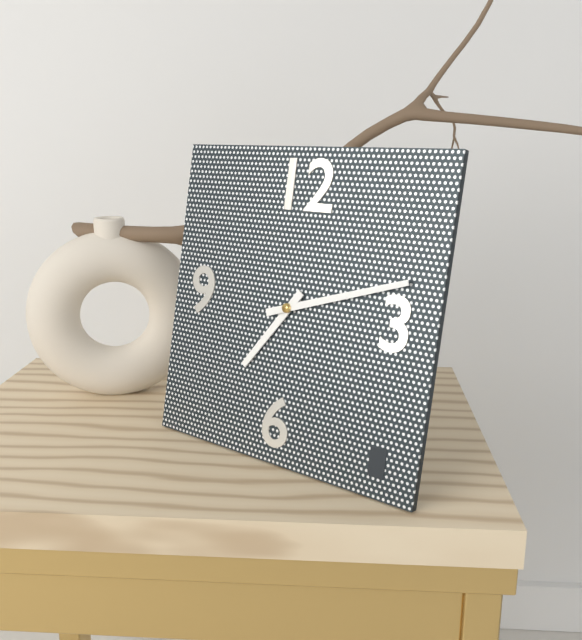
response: 7 h 12 min
